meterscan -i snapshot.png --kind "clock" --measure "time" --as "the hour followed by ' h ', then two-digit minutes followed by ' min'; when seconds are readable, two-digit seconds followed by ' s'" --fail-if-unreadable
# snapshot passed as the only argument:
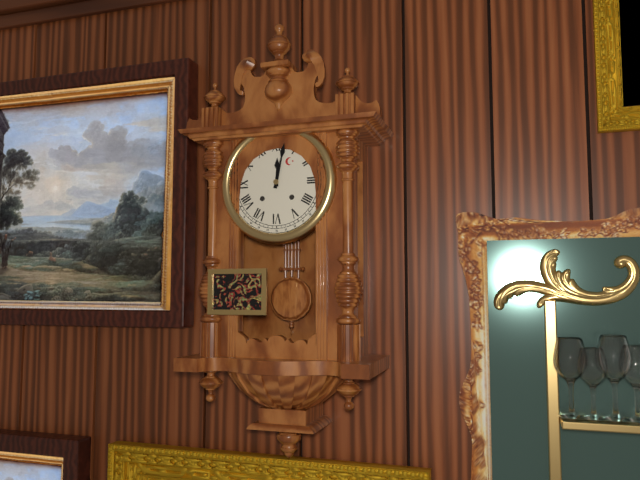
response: 12 h 02 min
